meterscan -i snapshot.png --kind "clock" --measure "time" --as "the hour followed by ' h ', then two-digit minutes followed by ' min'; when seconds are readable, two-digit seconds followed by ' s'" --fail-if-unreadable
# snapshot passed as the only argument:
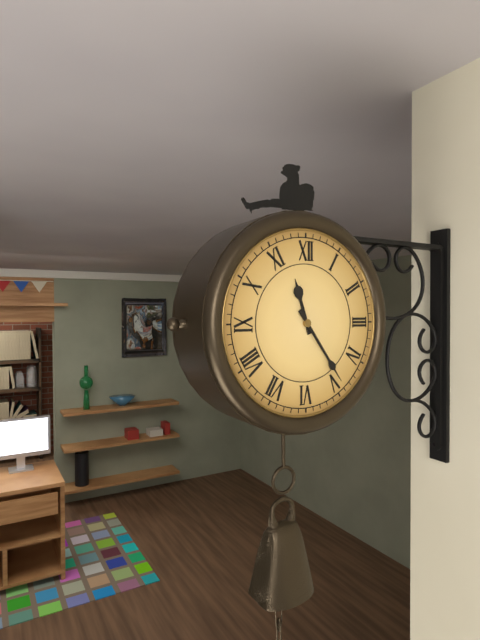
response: 11 h 24 min
